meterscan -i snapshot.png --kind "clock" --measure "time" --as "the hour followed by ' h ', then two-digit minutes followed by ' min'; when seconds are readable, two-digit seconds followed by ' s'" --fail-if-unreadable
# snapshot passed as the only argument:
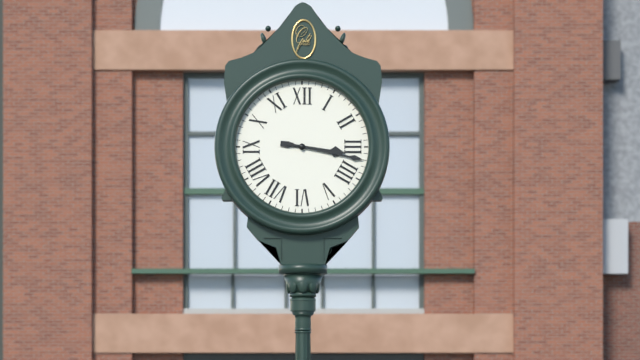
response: 3 h 17 min
